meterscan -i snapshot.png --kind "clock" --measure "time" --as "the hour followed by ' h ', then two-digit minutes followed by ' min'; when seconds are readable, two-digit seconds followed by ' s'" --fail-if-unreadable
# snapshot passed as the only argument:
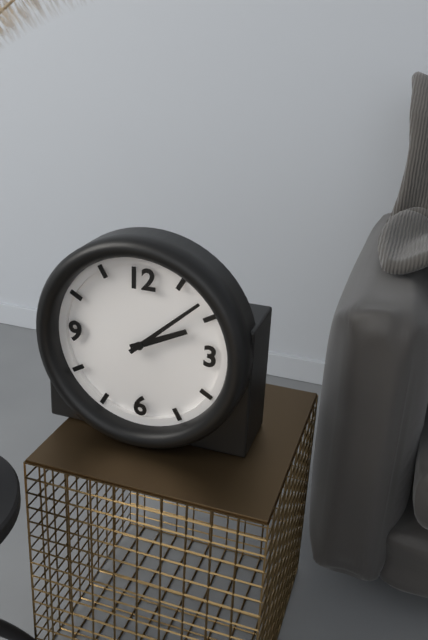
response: 2 h 08 min
